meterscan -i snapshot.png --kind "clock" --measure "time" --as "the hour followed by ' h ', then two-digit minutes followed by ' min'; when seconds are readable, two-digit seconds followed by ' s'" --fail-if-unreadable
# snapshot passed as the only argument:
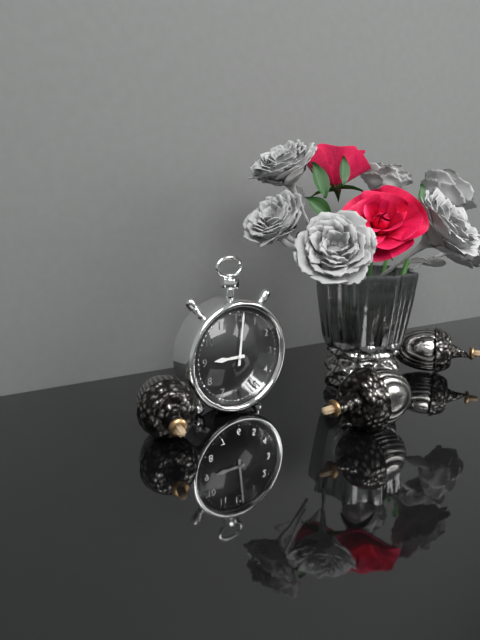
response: 9 h 01 min
